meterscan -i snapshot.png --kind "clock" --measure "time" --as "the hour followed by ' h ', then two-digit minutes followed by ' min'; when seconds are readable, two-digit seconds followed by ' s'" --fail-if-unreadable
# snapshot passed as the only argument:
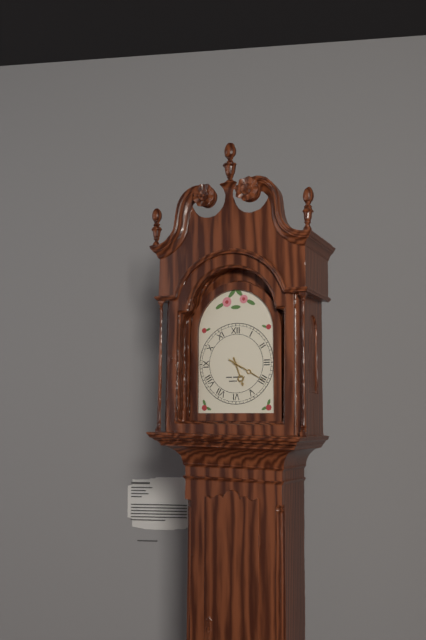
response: 5 h 20 min
